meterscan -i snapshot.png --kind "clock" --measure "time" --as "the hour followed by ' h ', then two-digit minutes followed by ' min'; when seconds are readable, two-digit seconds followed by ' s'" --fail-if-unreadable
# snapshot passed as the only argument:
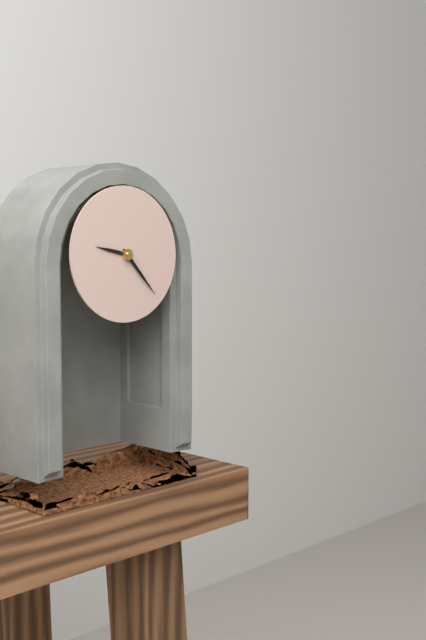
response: 9 h 23 min
